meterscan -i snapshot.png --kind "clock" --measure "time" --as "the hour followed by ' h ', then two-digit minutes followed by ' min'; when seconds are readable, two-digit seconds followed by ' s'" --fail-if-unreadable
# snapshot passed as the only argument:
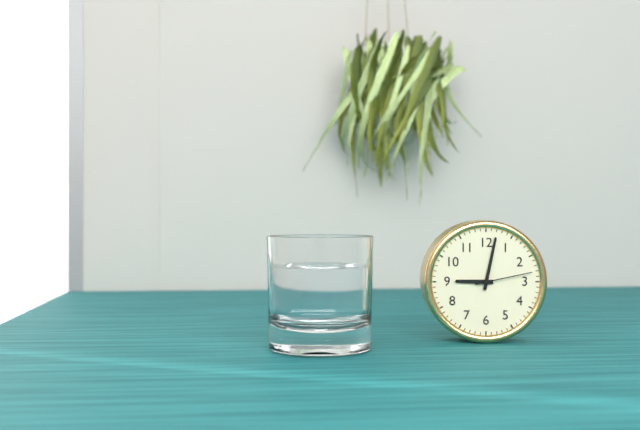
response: 9 h 02 min 13 s
